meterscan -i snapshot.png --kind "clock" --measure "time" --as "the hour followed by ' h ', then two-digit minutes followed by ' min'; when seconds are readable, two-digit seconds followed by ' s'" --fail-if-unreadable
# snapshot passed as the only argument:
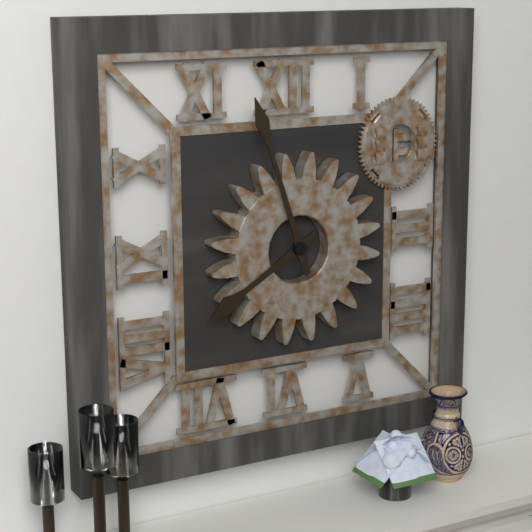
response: 7 h 57 min
